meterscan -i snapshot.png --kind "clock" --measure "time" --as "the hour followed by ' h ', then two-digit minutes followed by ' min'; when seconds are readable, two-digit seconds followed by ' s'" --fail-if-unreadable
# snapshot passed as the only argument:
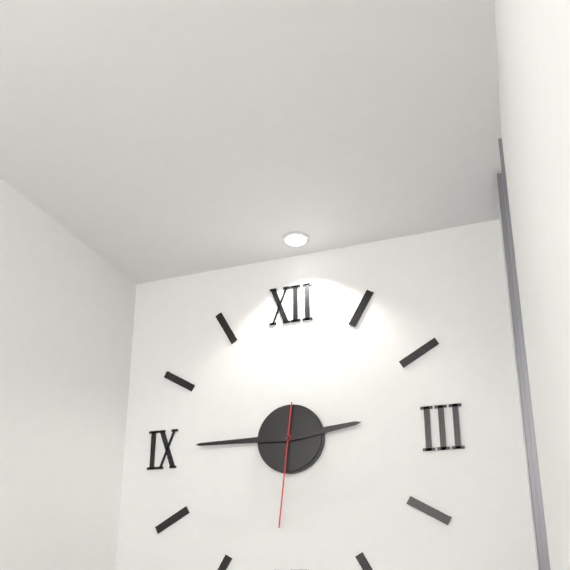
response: 2 h 45 min 31 s
